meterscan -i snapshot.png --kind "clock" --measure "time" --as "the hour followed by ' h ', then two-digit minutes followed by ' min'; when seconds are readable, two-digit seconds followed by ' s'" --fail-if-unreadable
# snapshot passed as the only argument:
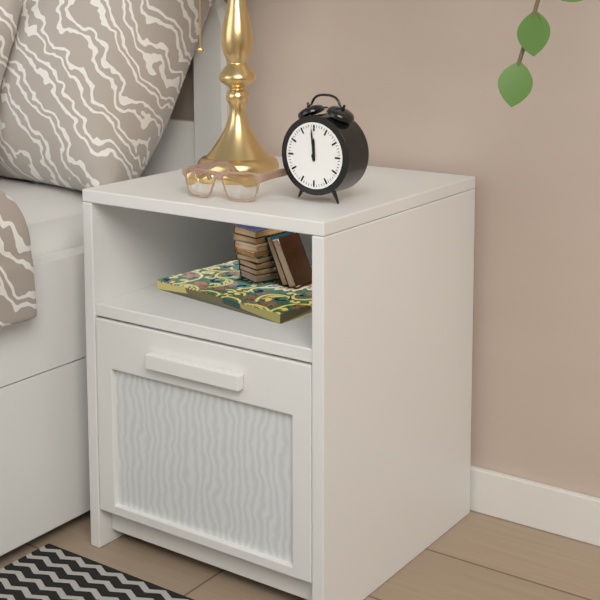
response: 11 h 59 min
